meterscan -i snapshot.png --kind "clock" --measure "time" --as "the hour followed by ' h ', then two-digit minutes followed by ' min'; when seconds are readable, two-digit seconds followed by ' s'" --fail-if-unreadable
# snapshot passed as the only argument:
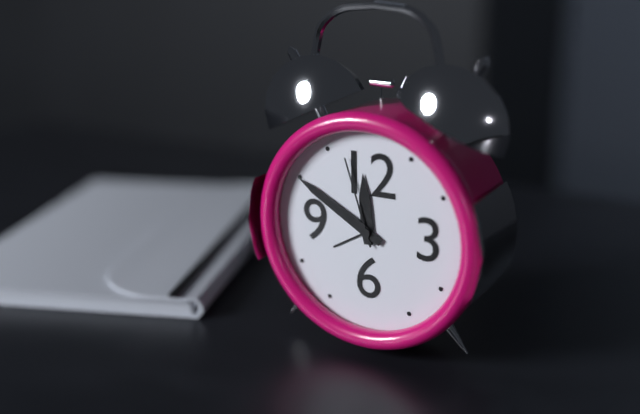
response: 11 h 50 min 57 s
